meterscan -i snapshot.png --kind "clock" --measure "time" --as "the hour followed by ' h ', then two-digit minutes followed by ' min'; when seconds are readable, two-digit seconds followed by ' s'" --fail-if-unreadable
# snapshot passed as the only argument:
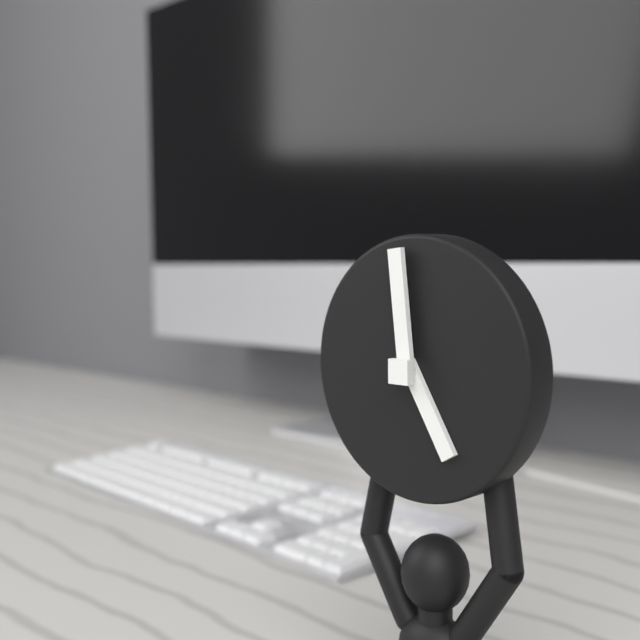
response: 4 h 59 min
